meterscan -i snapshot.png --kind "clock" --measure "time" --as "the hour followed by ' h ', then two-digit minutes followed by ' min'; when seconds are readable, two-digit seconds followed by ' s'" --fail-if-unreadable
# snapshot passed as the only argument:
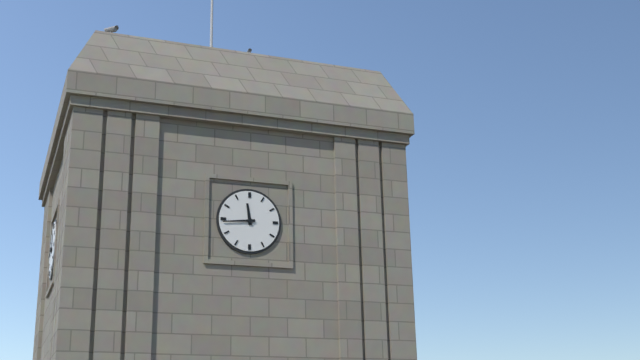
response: 11 h 44 min
